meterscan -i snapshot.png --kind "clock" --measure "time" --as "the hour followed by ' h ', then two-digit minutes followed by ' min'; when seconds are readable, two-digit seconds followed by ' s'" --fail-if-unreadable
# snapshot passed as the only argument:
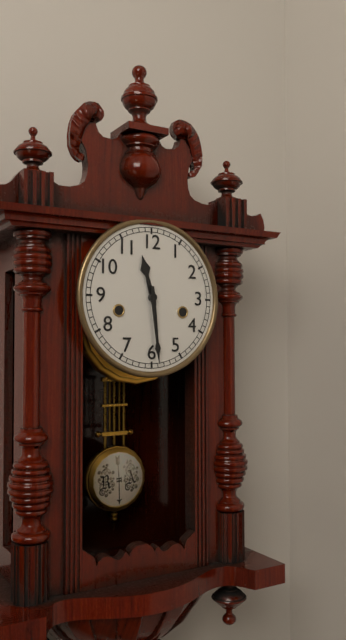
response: 11 h 29 min
